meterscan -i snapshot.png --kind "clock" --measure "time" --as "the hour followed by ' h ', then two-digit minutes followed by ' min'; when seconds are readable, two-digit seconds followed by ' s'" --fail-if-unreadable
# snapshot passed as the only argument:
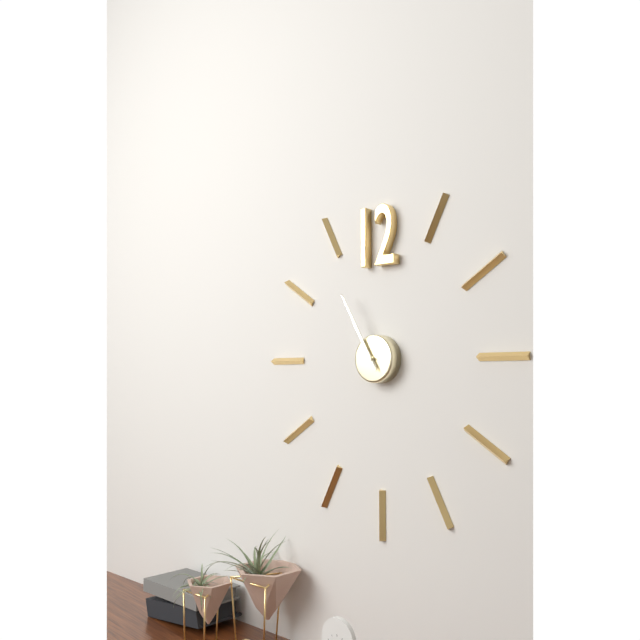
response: 10 h 55 min
